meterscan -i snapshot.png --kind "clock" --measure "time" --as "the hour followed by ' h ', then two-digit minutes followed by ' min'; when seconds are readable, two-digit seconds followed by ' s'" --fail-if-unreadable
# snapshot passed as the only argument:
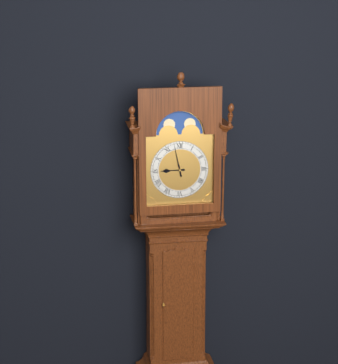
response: 8 h 58 min
